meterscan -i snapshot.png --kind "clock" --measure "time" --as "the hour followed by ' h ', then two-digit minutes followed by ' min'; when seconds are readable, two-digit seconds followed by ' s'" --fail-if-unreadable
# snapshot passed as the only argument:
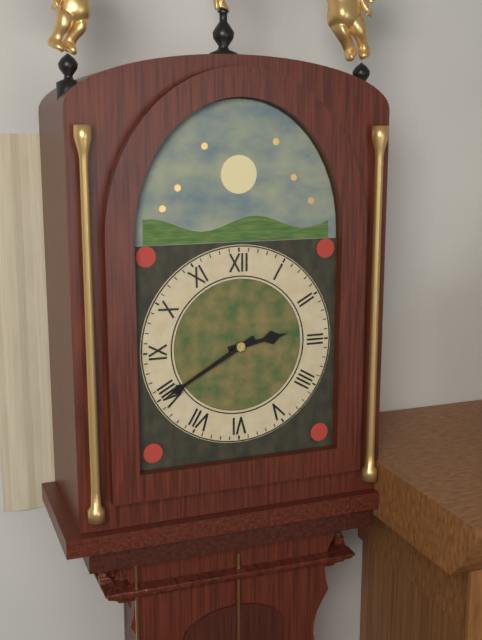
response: 2 h 40 min
